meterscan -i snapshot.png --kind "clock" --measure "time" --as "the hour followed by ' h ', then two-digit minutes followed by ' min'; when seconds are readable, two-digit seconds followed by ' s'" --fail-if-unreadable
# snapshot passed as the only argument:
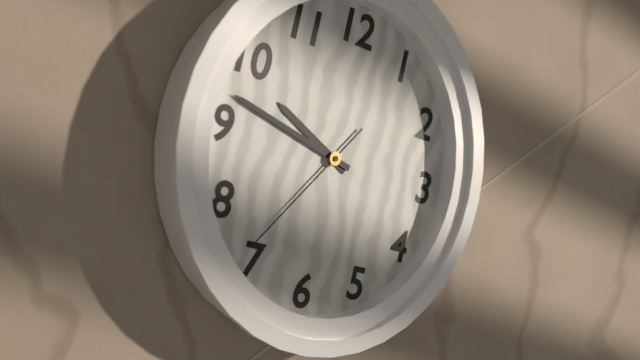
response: 9 h 47 min 36 s
